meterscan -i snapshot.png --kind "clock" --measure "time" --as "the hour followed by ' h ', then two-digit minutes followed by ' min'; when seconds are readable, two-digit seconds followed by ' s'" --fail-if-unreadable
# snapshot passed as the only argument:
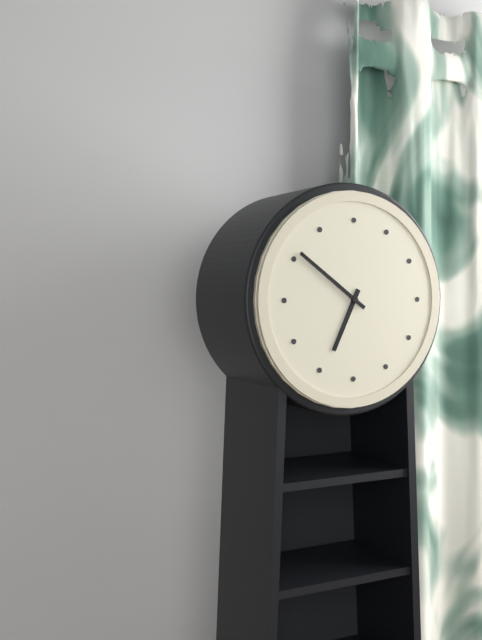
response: 6 h 51 min
